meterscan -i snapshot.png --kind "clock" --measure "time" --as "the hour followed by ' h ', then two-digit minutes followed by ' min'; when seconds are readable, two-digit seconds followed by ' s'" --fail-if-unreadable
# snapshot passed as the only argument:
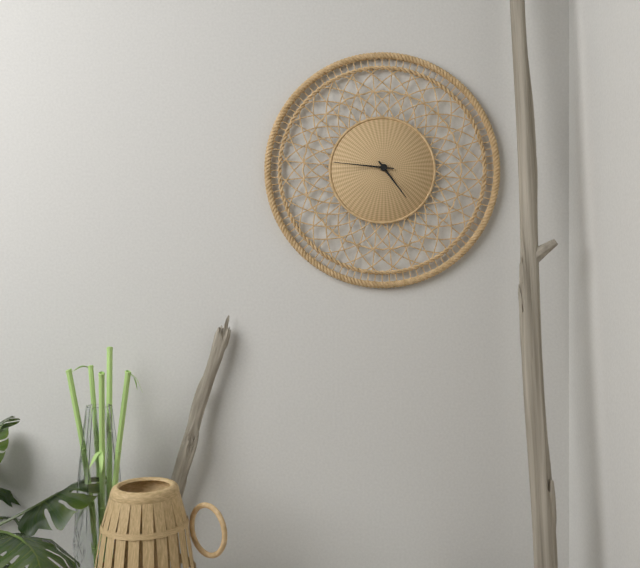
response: 4 h 46 min
